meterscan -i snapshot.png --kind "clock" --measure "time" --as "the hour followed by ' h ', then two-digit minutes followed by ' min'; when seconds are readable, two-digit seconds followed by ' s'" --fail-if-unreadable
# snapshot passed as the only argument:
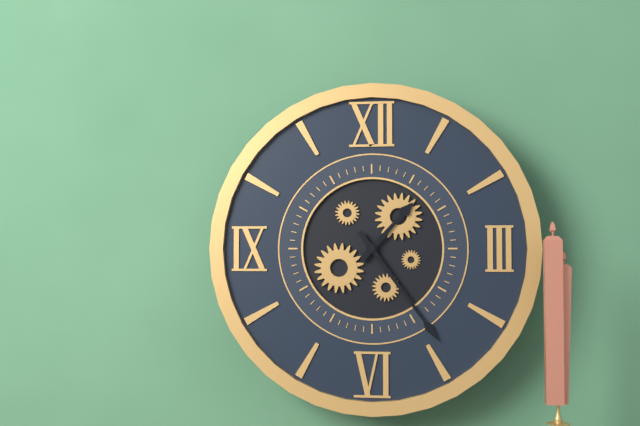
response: 1 h 24 min
